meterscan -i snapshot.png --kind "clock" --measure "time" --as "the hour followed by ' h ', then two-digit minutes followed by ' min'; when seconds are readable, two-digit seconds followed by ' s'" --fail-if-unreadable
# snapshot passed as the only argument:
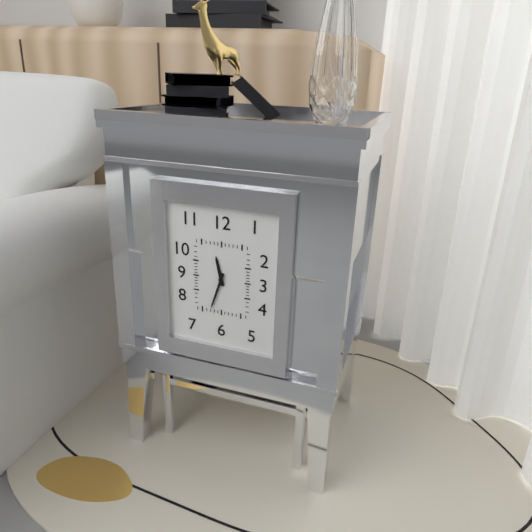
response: 11 h 33 min
